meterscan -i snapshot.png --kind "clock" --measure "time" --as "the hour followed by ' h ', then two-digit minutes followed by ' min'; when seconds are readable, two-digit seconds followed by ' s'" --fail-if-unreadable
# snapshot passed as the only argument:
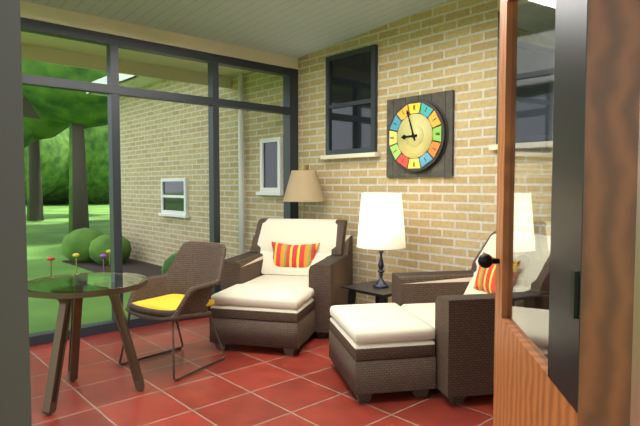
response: 8 h 57 min
